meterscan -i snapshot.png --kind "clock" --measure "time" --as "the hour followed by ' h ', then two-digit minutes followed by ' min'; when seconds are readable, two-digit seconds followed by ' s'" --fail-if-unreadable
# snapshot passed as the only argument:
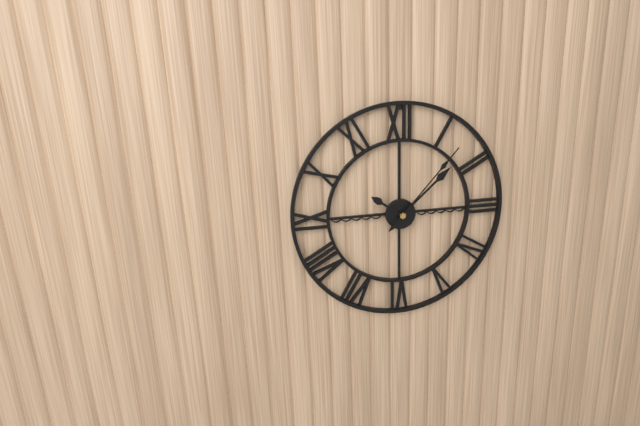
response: 10 h 08 min 07 s
